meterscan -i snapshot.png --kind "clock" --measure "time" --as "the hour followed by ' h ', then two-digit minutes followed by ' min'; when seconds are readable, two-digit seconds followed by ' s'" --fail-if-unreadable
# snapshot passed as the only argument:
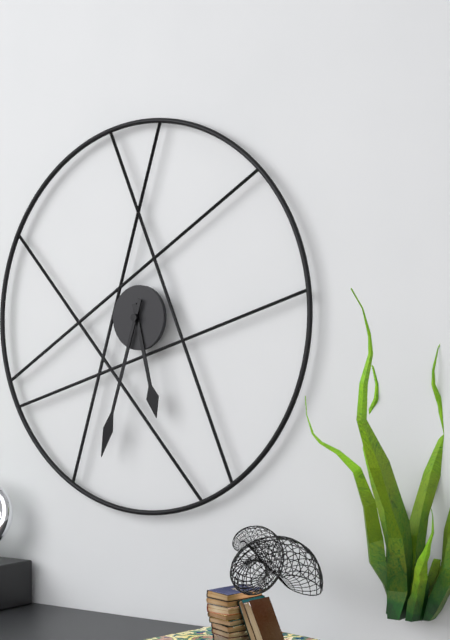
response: 5 h 33 min
